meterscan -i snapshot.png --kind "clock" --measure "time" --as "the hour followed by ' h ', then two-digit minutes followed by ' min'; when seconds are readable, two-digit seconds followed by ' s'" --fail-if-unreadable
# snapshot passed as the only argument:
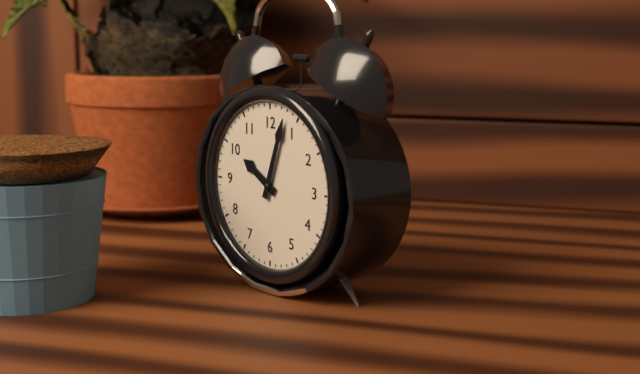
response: 10 h 03 min
